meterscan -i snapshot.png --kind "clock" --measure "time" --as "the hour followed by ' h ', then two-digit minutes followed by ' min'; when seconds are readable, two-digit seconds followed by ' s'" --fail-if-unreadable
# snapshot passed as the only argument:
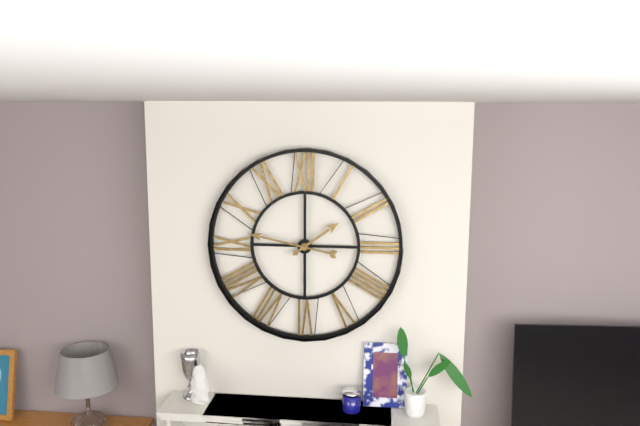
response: 1 h 47 min
